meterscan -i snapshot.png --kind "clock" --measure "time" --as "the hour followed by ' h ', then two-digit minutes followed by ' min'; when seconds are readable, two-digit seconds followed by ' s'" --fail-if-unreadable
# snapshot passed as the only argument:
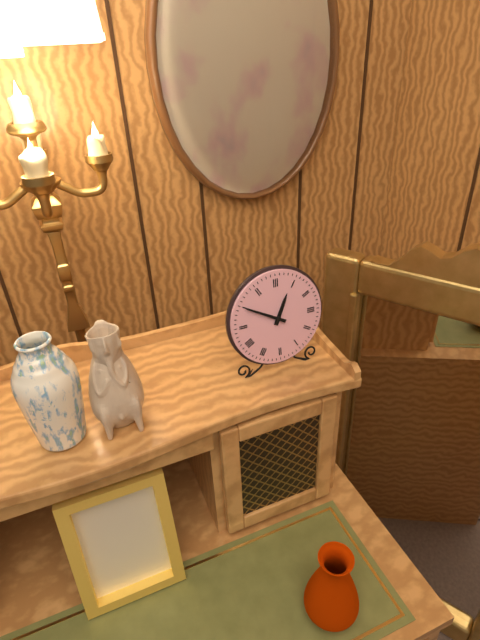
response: 12 h 50 min
